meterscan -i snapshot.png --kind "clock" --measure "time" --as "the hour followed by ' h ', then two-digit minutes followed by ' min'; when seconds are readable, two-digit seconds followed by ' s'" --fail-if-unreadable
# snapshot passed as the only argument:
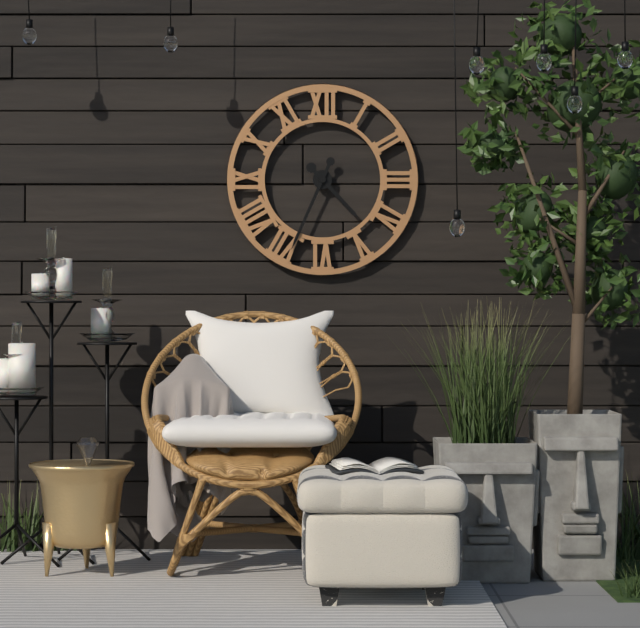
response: 4 h 34 min
